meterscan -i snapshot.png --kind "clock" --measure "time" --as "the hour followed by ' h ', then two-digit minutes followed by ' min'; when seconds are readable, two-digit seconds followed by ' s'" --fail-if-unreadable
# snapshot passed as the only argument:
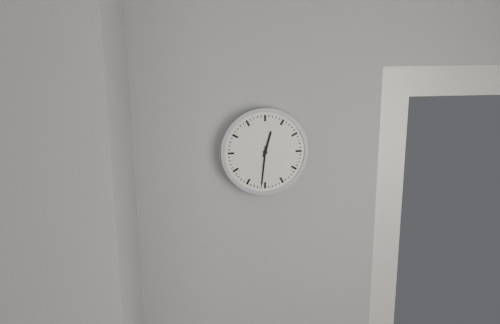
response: 12 h 31 min
